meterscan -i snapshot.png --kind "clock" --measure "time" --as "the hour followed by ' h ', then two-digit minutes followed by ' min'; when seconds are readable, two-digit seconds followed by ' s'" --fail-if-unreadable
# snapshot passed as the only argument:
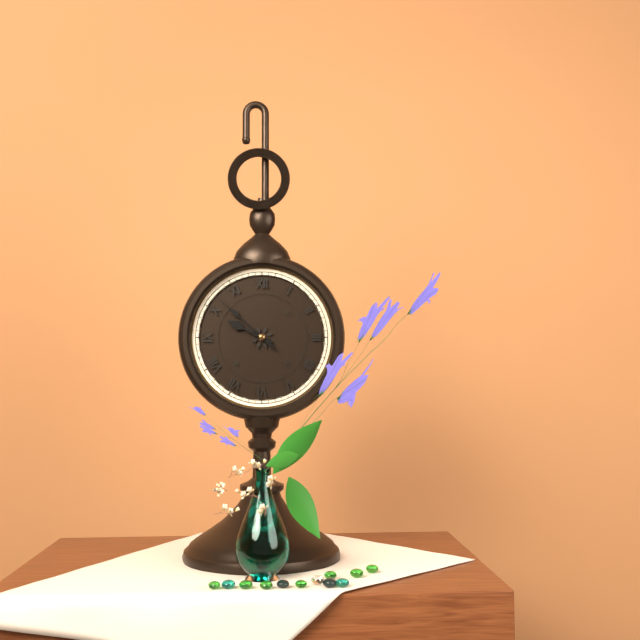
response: 9 h 52 min
